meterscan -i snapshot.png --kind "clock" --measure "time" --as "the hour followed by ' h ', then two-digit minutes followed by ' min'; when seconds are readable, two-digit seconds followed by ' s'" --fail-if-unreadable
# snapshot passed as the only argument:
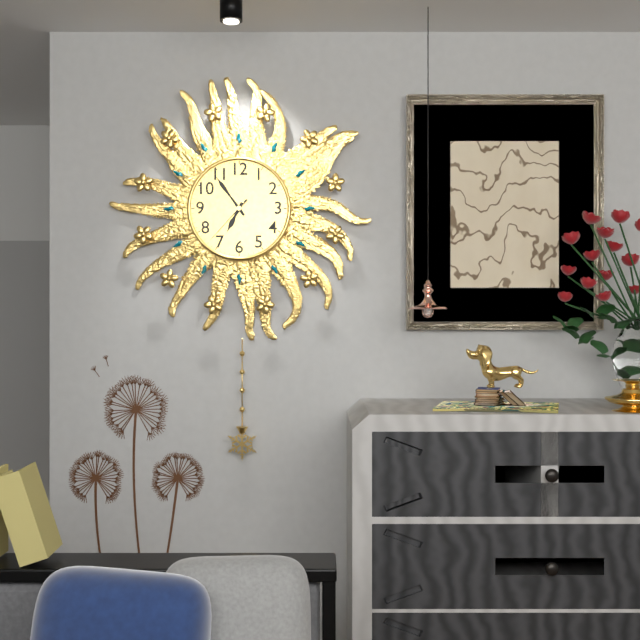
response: 6 h 54 min 37 s
